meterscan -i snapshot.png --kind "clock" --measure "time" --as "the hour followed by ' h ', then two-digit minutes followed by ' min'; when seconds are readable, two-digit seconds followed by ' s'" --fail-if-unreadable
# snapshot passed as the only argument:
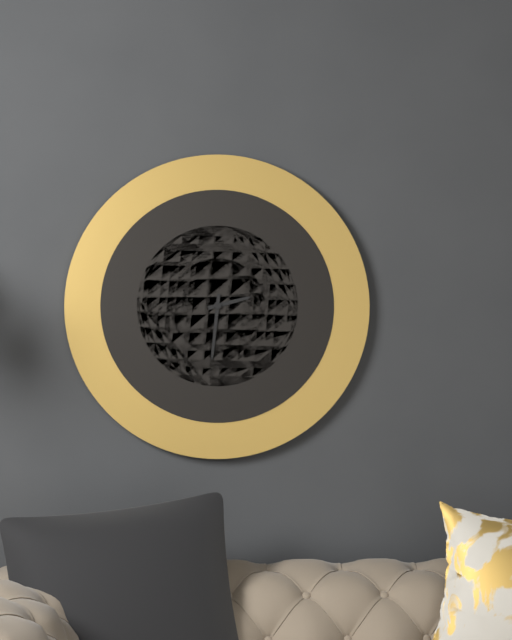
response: 2 h 31 min
